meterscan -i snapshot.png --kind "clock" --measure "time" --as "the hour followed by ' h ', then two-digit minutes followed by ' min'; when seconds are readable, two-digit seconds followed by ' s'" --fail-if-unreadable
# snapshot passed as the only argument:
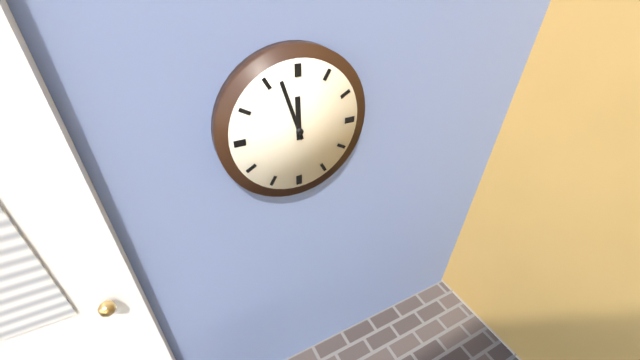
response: 11 h 57 min
